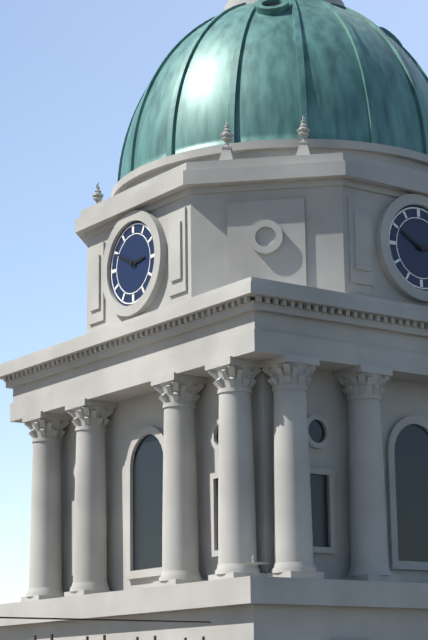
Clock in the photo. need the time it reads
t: 2:50
